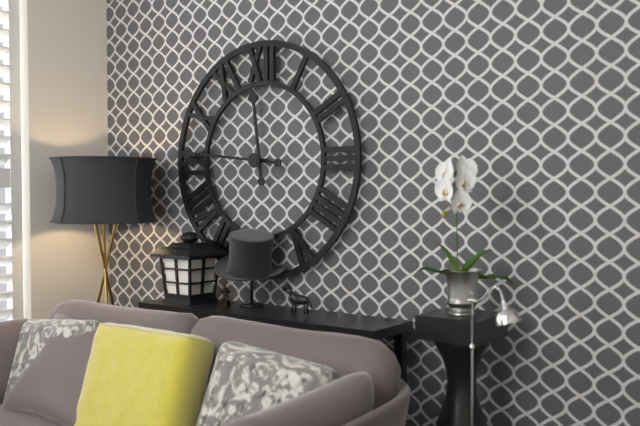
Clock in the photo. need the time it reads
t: 11:46
